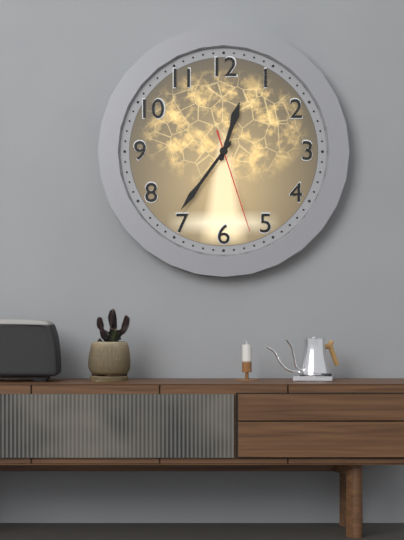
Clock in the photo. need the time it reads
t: 12:36:27
